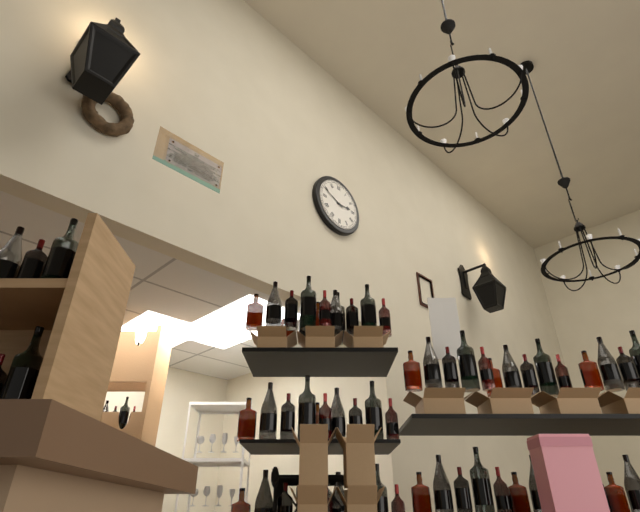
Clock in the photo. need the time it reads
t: 2:49
